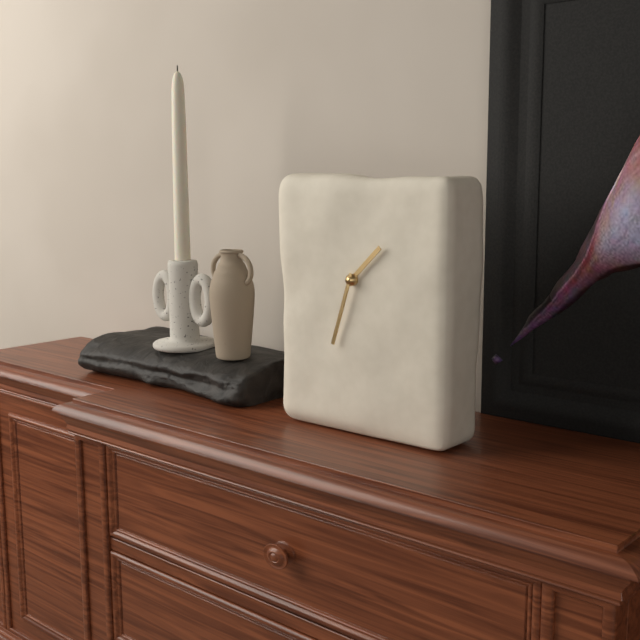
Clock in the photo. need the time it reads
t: 1:33
